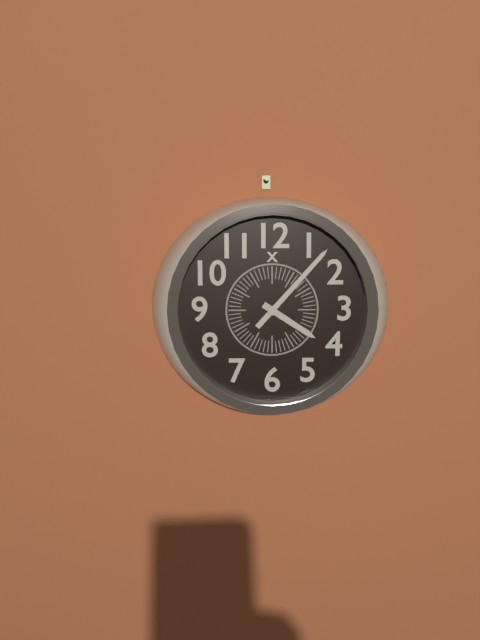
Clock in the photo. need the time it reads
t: 4:07
